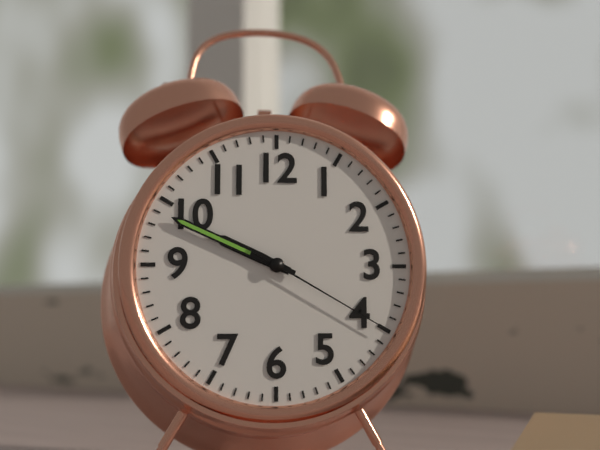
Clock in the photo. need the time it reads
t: 9:49:20
